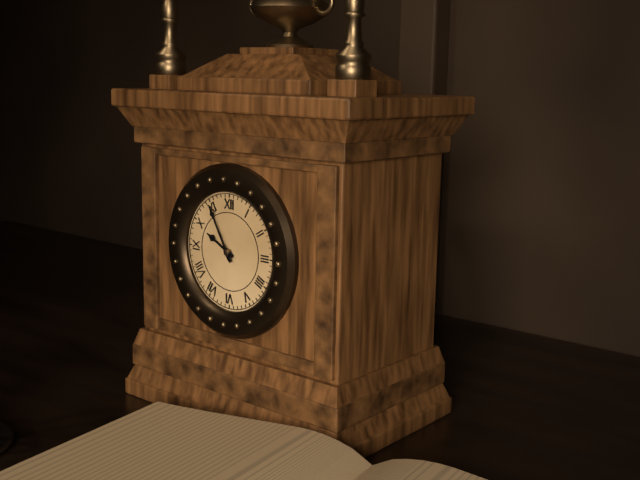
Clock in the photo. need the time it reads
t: 9:55
